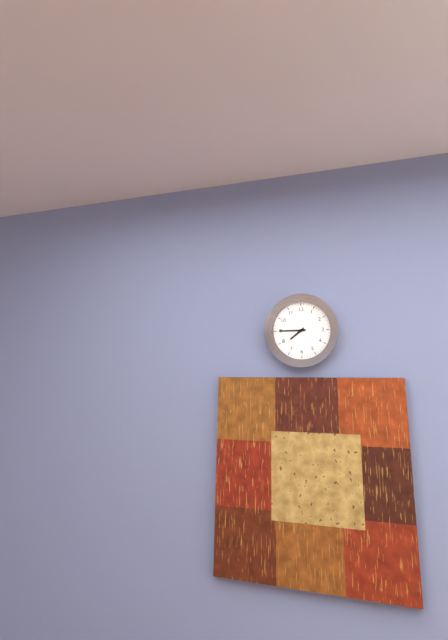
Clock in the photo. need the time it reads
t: 7:45
